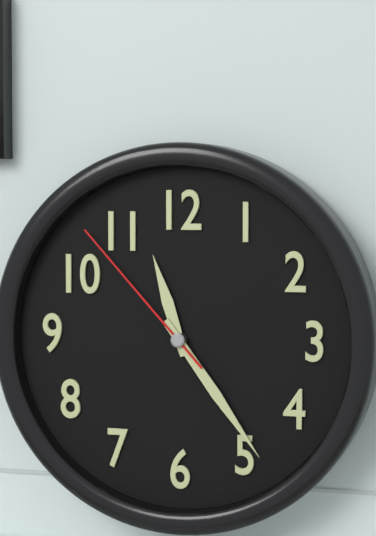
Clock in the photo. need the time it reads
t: 11:24:53
